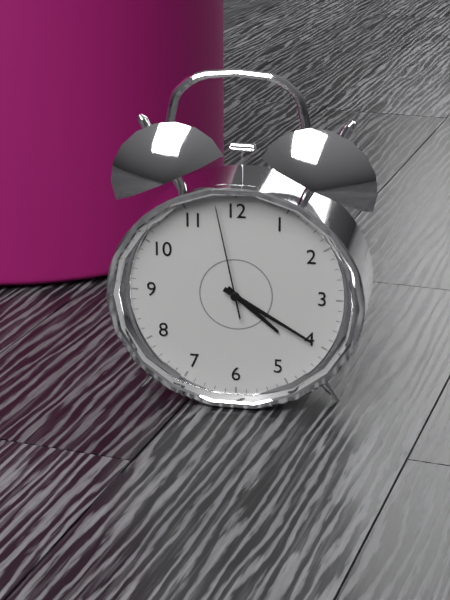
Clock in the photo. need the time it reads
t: 4:20:58
